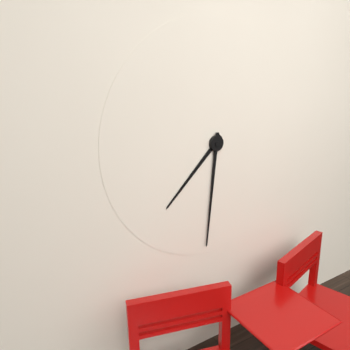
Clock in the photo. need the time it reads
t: 7:31
